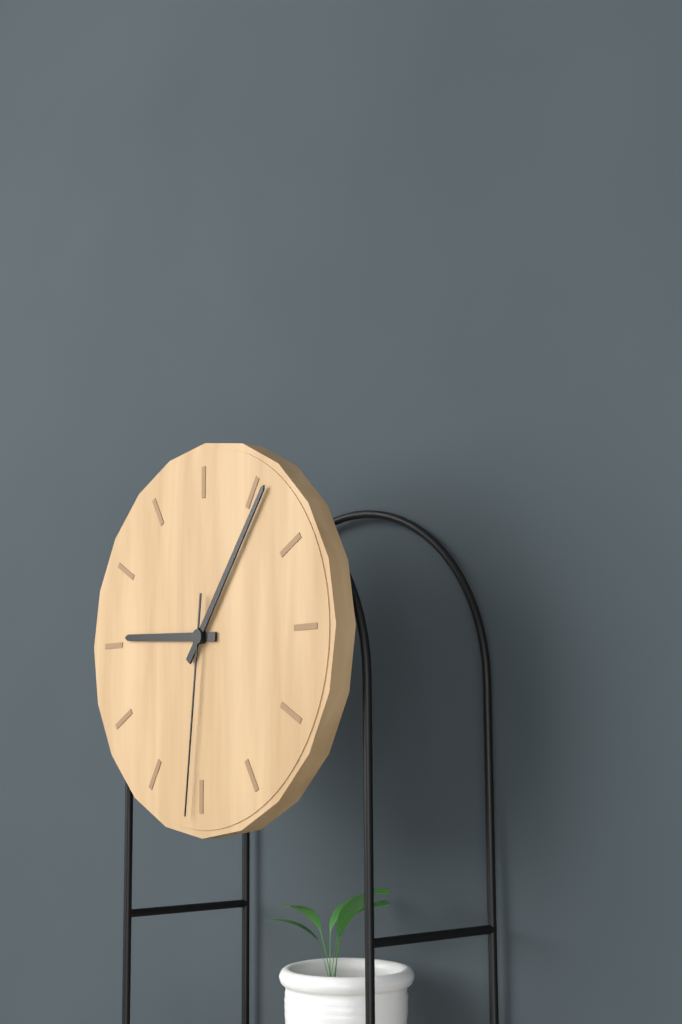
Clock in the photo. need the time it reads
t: 9:06:31
